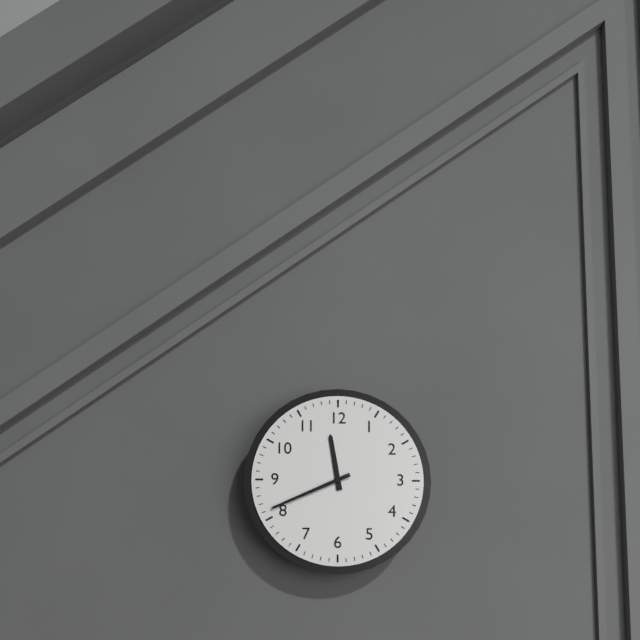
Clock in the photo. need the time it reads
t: 11:41
